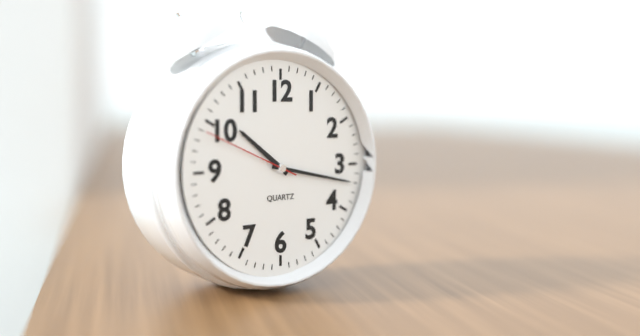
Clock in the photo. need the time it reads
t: 10:17:49
